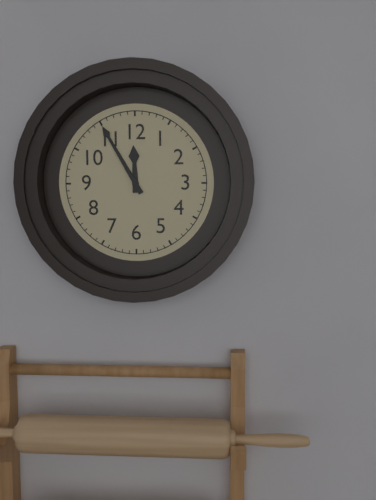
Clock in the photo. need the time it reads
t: 11:55
